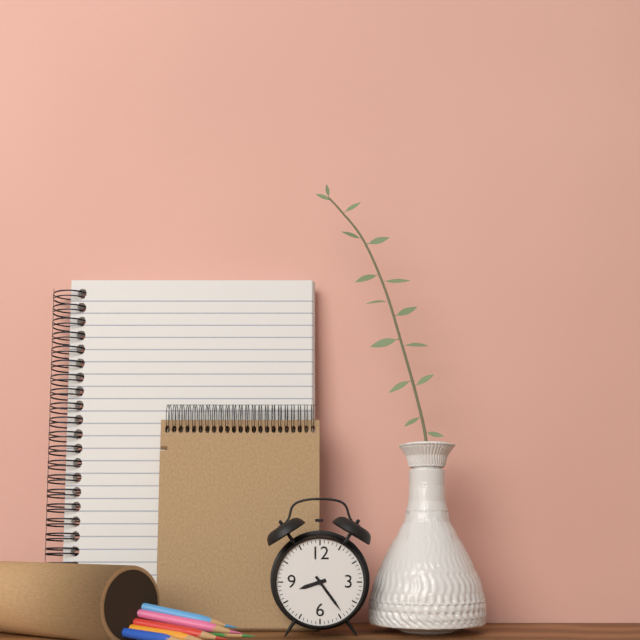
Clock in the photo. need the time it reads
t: 8:24
